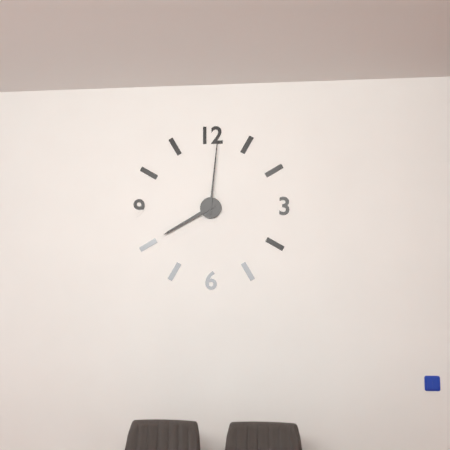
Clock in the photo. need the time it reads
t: 8:01
